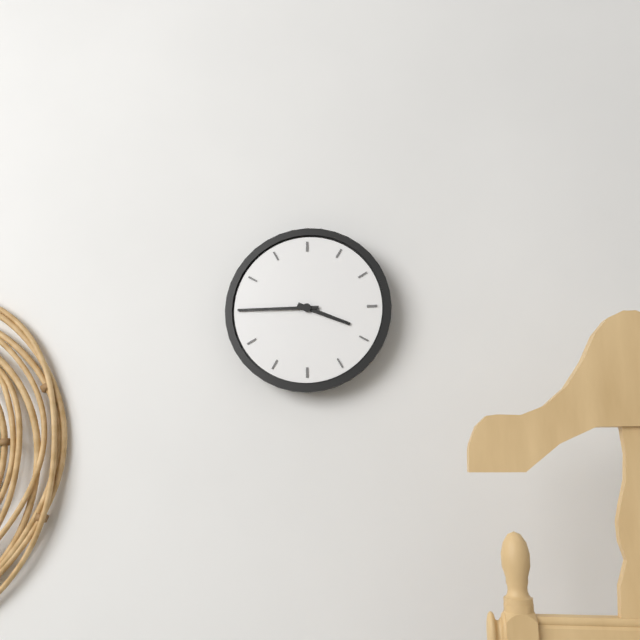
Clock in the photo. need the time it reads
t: 3:45
